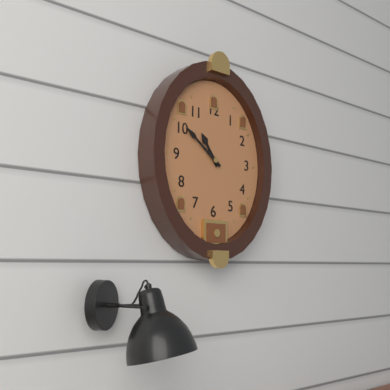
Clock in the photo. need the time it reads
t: 10:51
